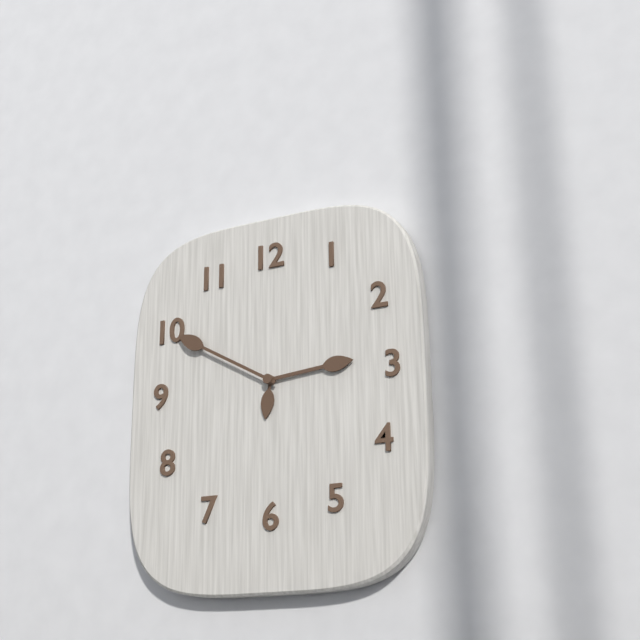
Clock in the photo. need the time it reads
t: 2:50
